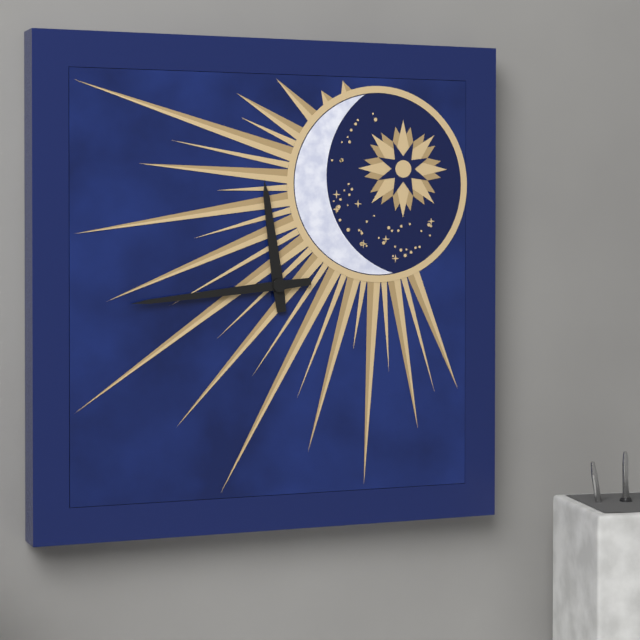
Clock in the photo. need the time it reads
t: 11:44
